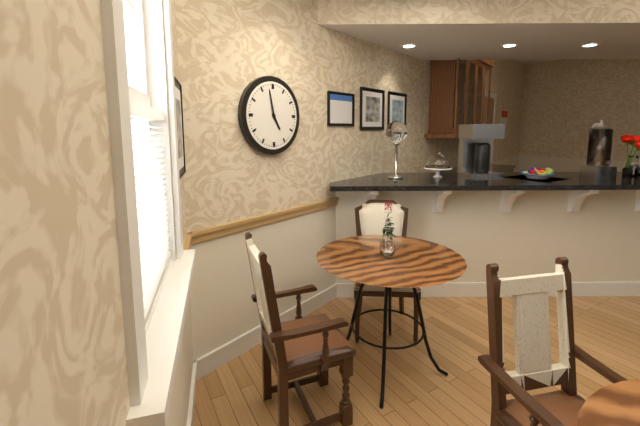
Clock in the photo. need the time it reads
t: 4:58
